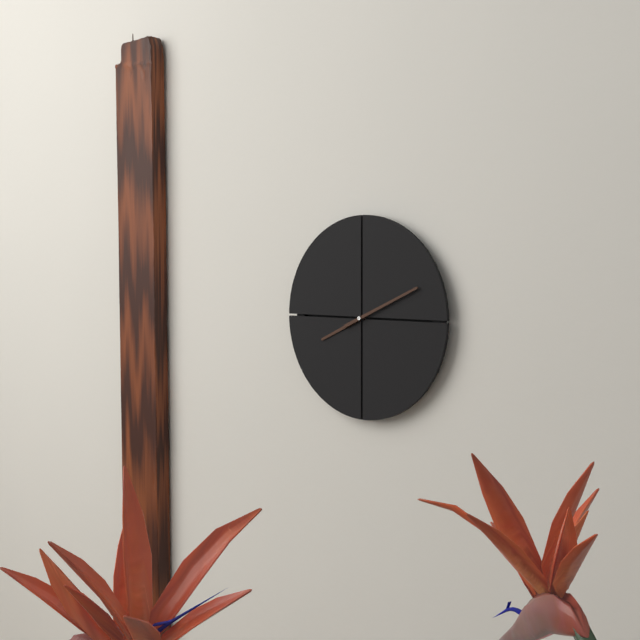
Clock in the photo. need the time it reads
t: 8:11
